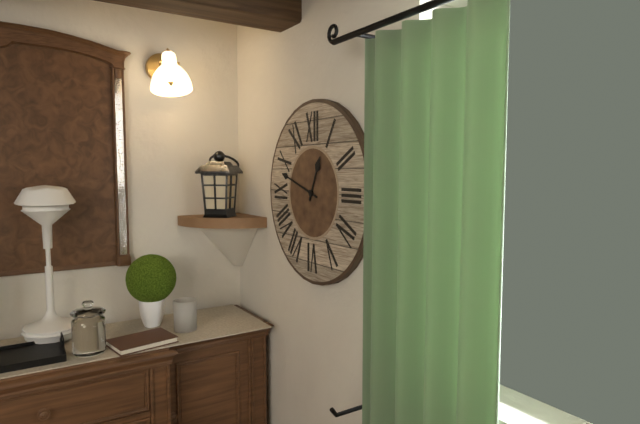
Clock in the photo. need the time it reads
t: 12:48
